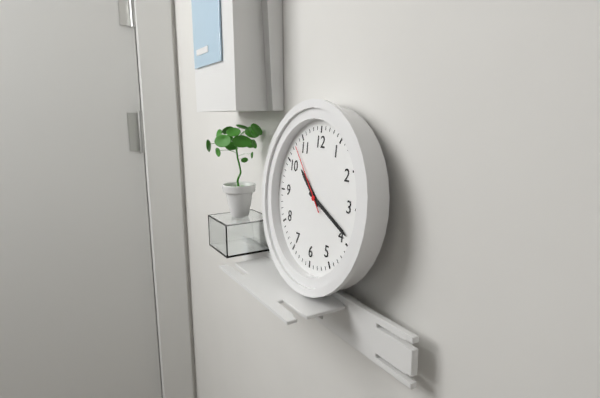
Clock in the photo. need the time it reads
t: 10:19:53
